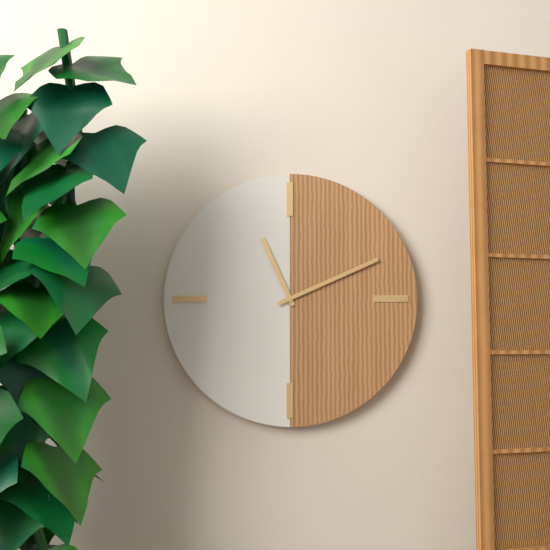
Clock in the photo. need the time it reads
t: 11:11
